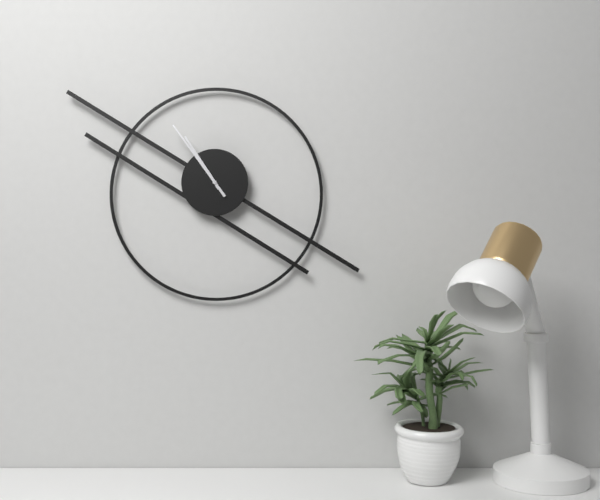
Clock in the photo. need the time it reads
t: 10:54
